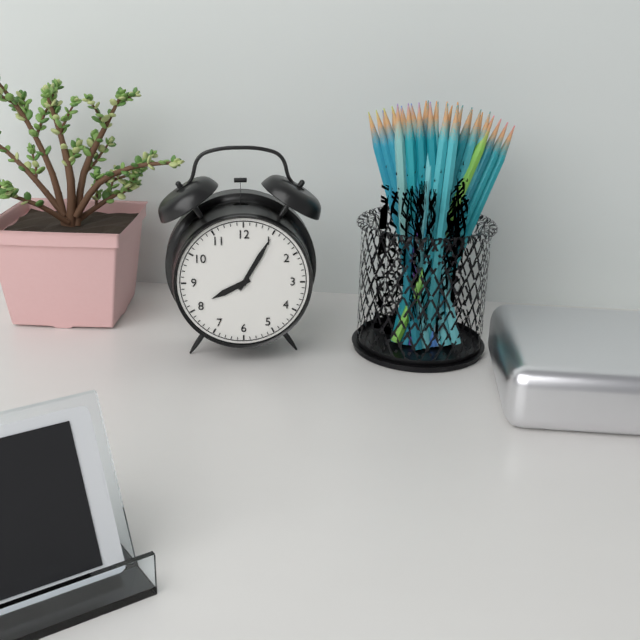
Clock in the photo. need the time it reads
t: 8:05
